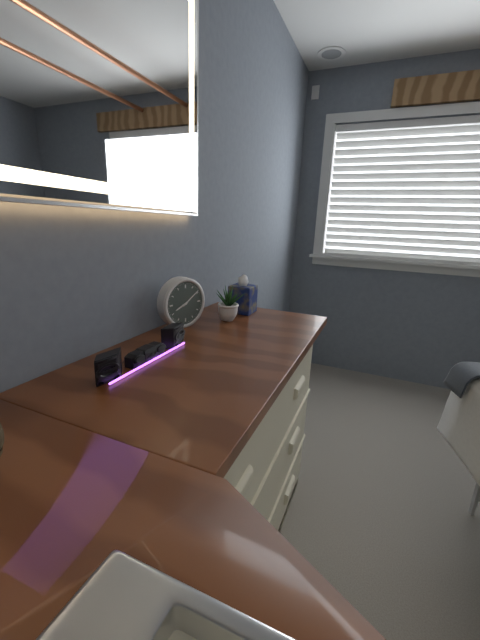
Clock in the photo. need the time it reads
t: 8:09
